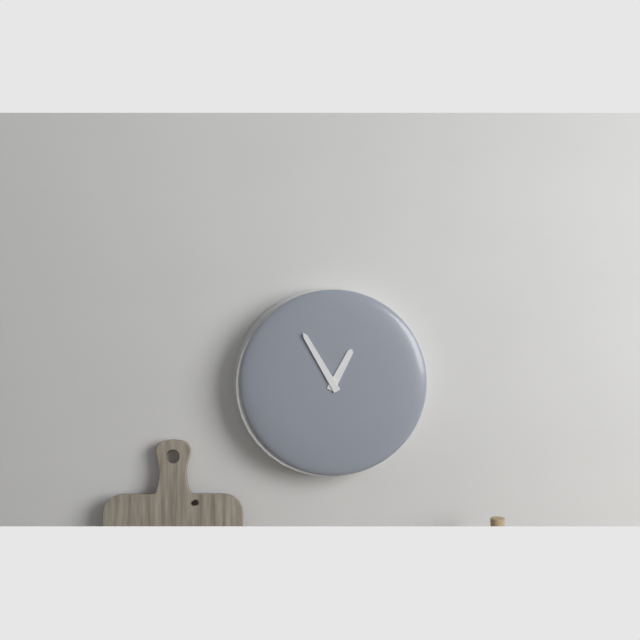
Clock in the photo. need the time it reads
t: 12:55
